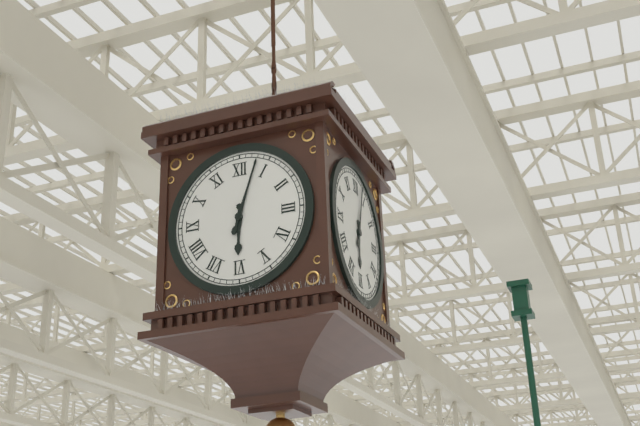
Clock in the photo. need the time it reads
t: 6:03
